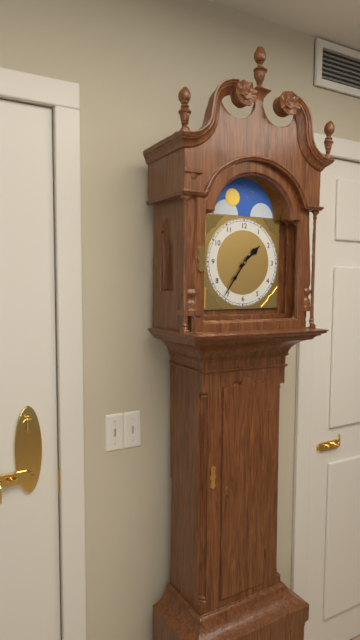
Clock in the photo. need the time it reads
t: 1:36
